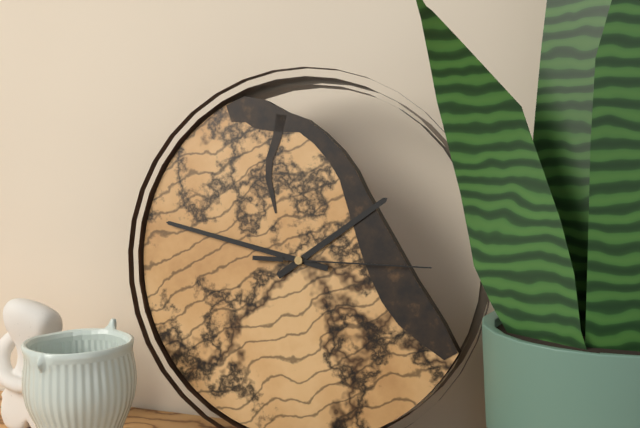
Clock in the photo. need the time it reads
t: 1:47:15
